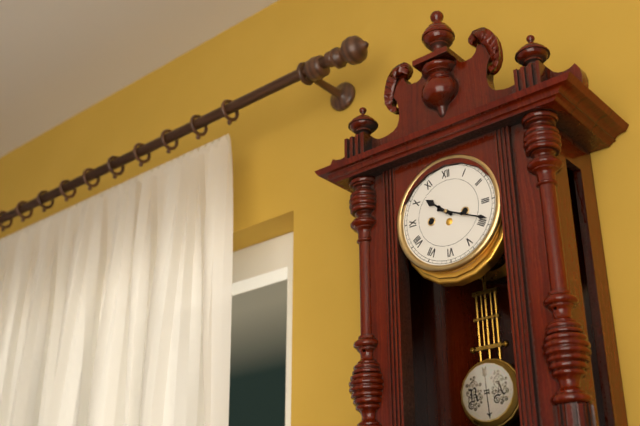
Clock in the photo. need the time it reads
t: 10:19
